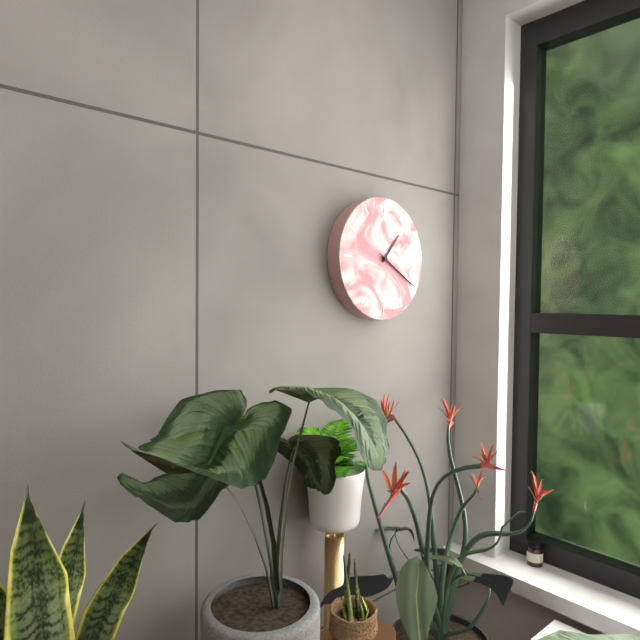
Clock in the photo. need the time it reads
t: 1:20
